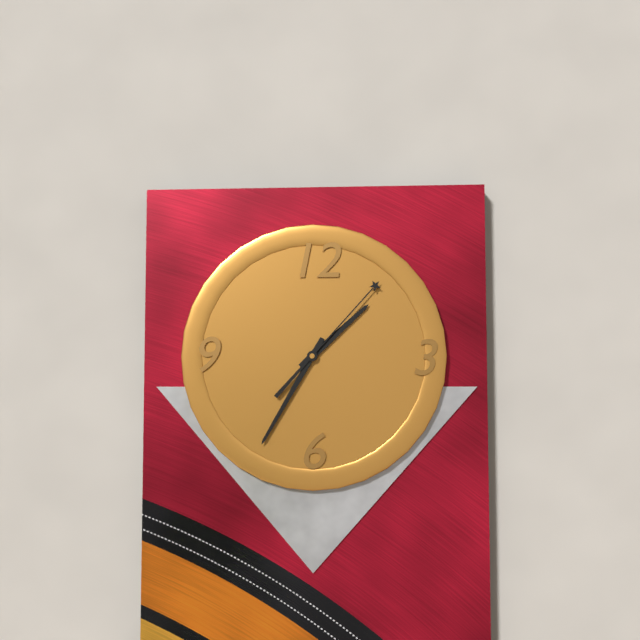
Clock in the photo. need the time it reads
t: 1:35:07
